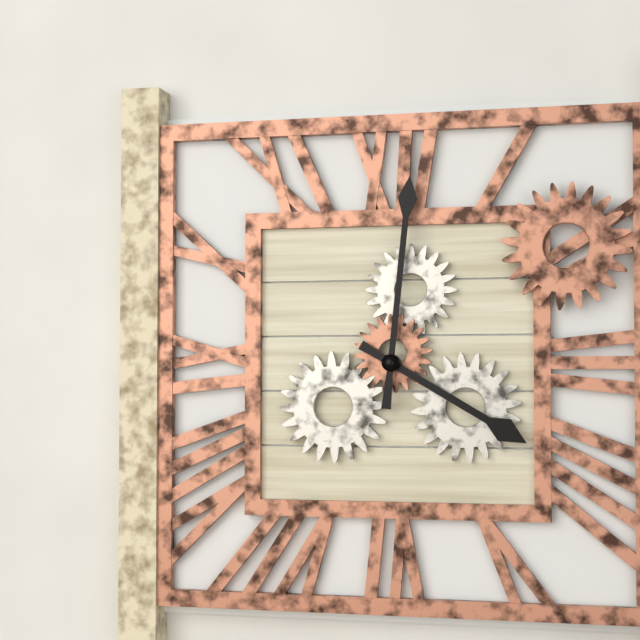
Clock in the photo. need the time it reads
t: 4:01
